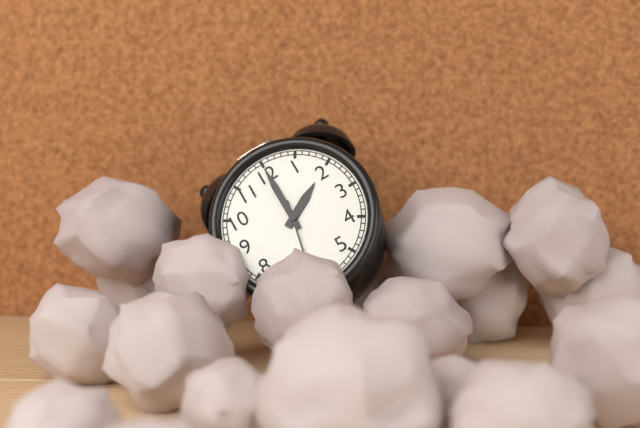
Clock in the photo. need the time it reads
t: 2:00
